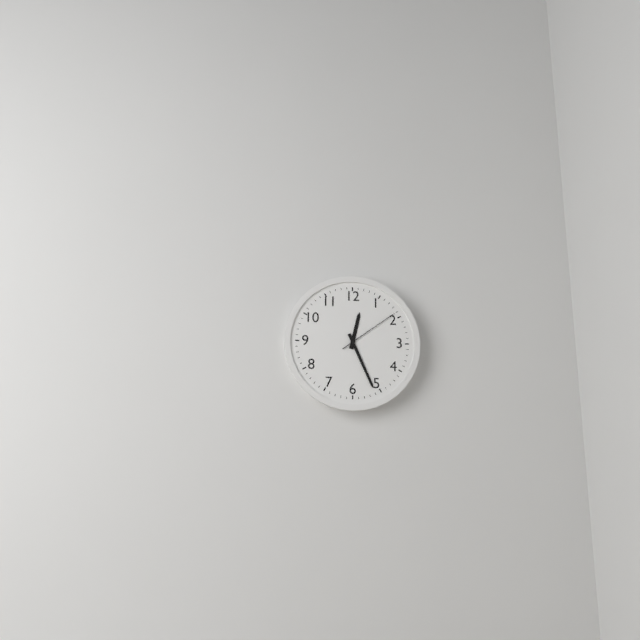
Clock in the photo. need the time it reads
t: 12:26:09
